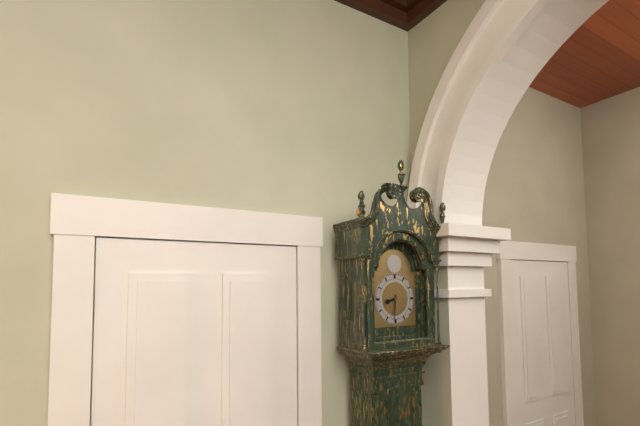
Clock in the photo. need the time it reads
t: 8:31
